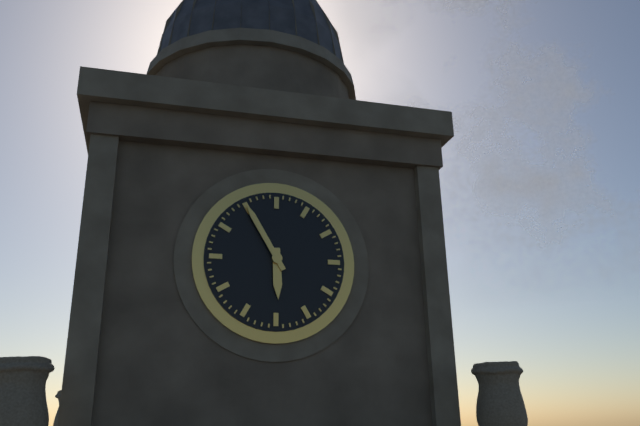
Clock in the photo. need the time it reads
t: 5:55
